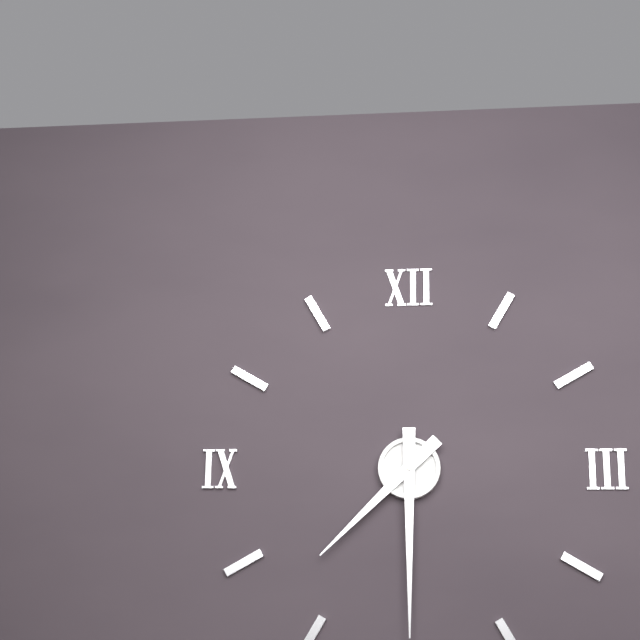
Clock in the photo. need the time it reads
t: 7:30
